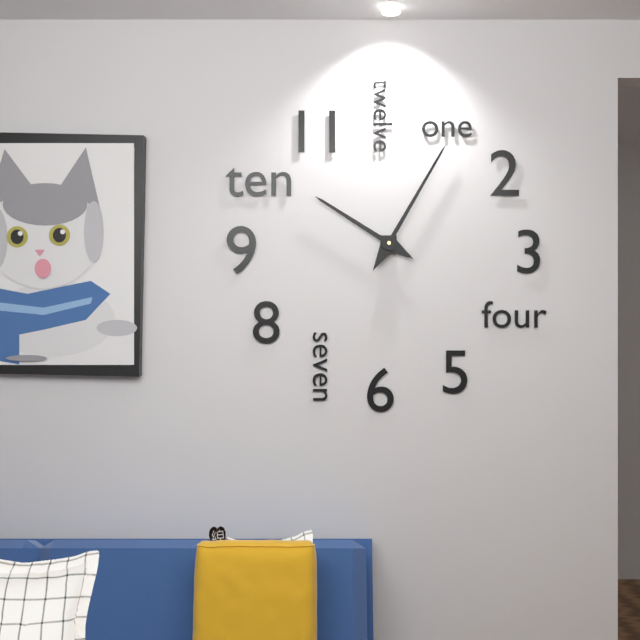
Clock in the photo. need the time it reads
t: 10:05
